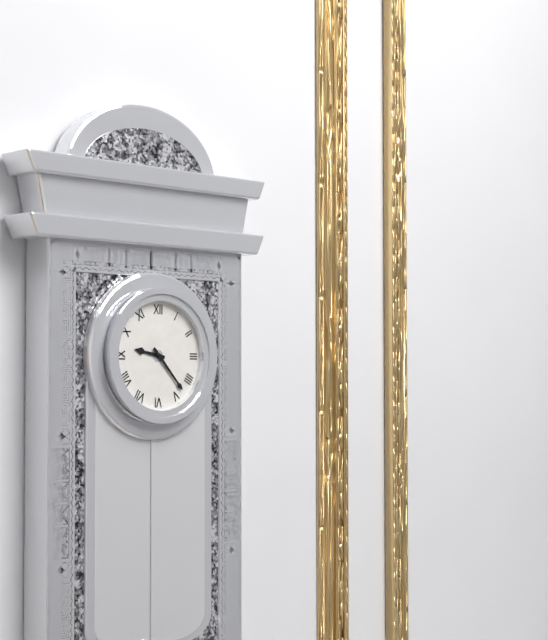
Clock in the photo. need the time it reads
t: 9:23
